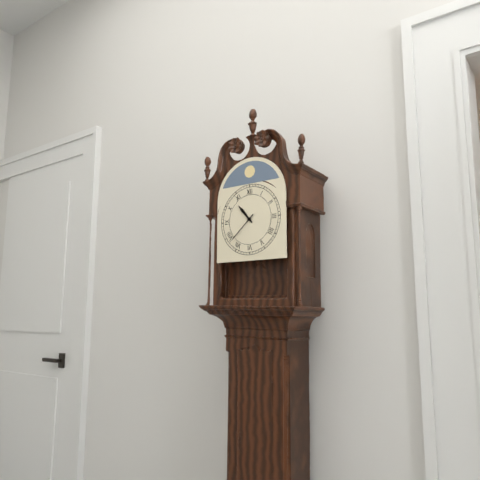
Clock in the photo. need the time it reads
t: 10:38
